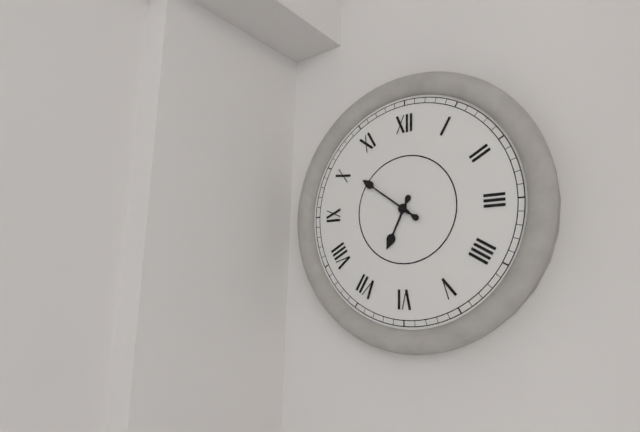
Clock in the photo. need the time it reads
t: 6:51
